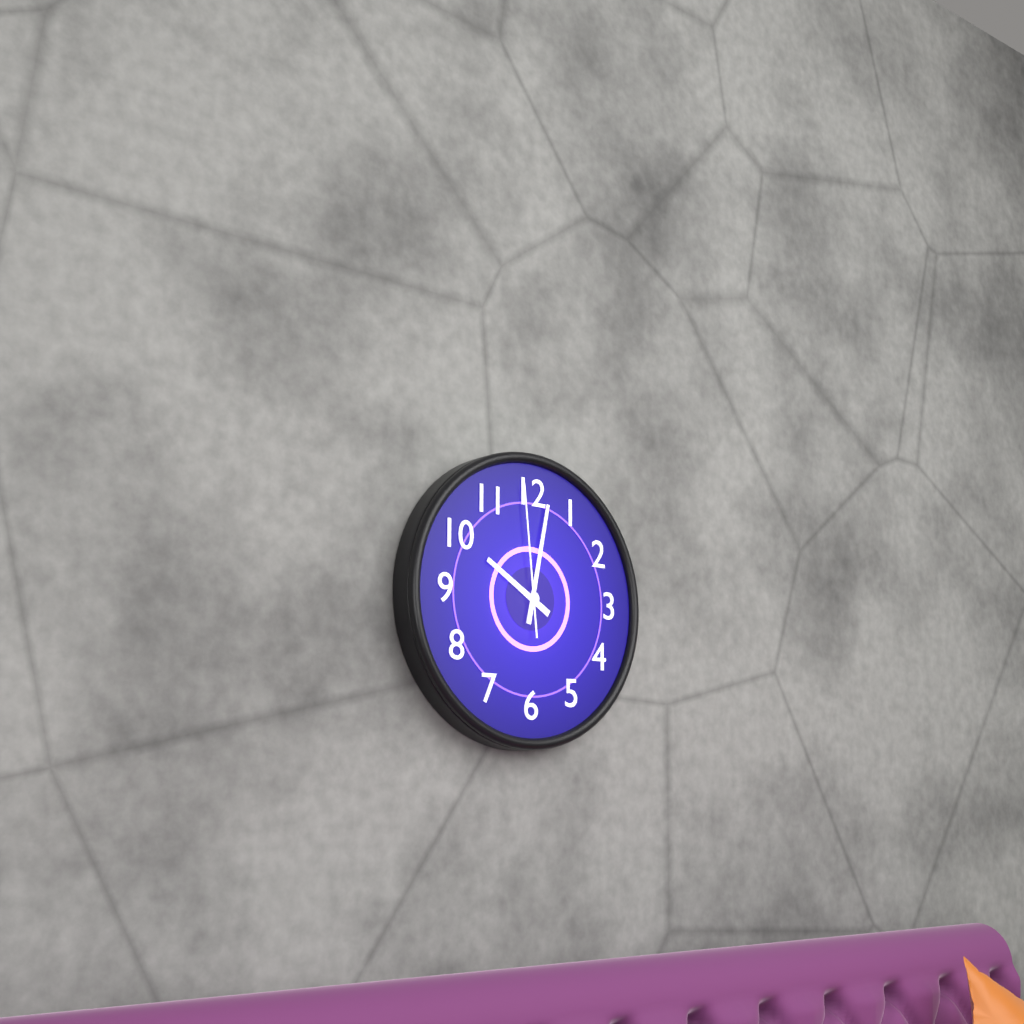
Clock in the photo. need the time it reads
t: 10:02:59
